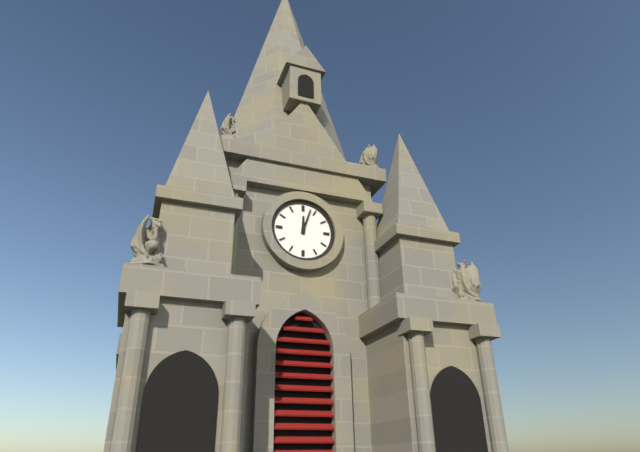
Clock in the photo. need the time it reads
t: 12:03
